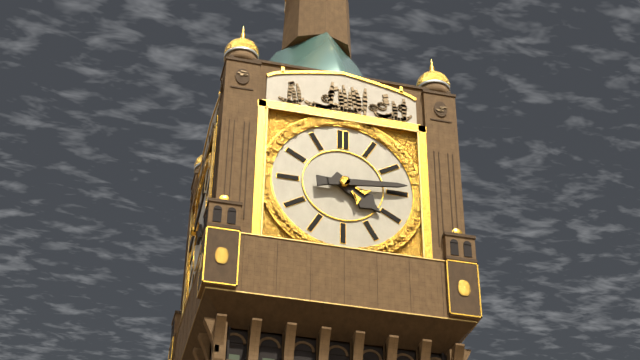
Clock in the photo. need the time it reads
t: 4:14
